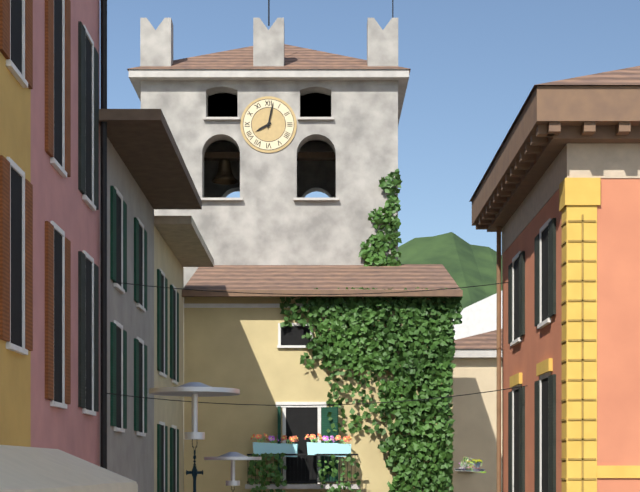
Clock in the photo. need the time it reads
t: 8:02
